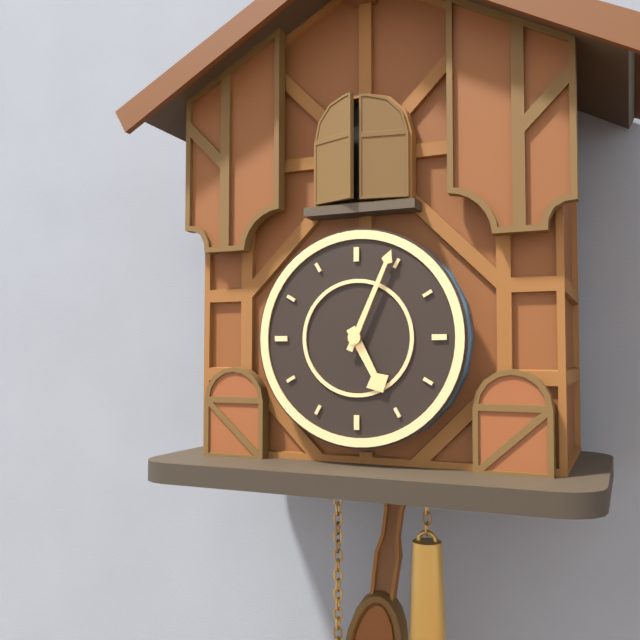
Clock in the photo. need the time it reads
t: 5:04
